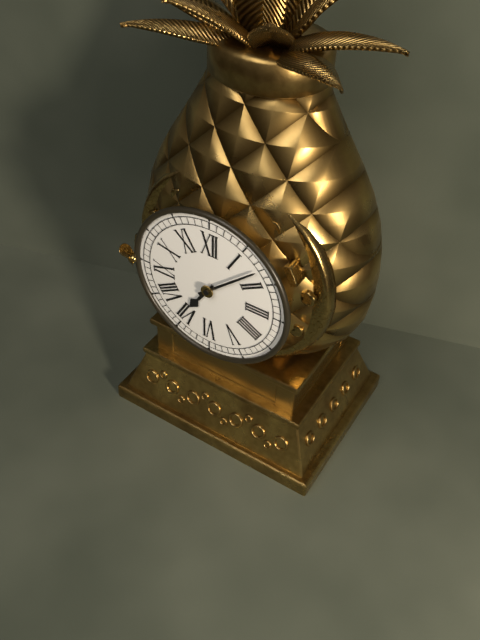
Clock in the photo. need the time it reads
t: 7:08
